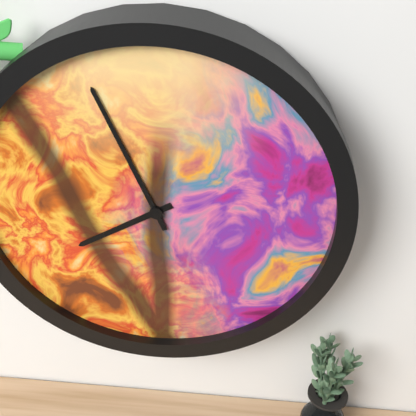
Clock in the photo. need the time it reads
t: 7:56
